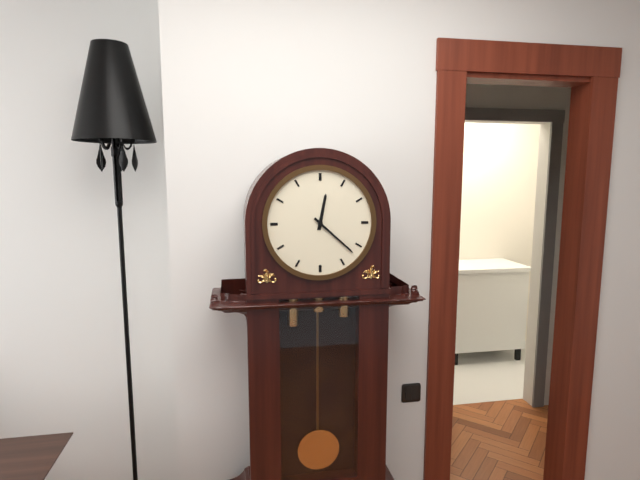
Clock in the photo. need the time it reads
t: 12:22
